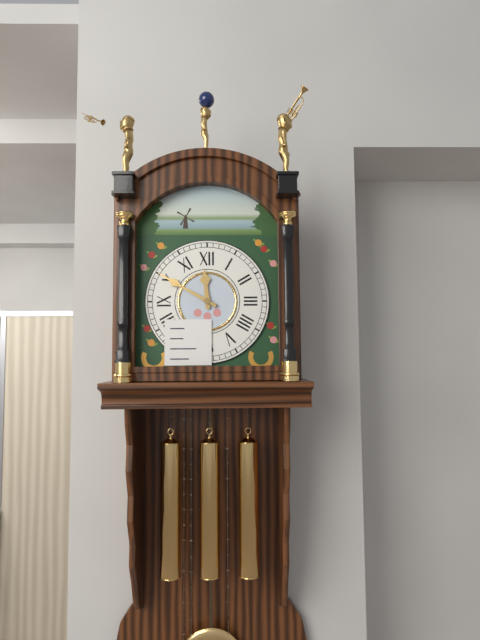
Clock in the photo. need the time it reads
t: 11:50
